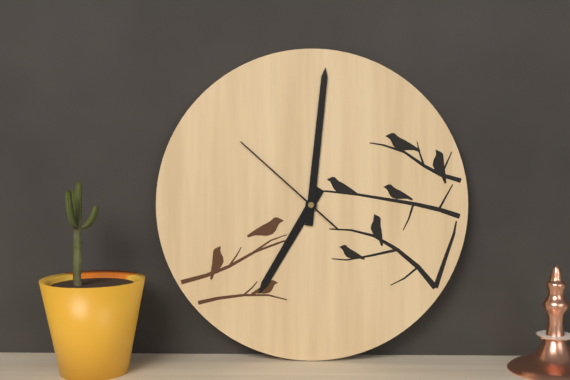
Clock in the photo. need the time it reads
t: 7:01:52
